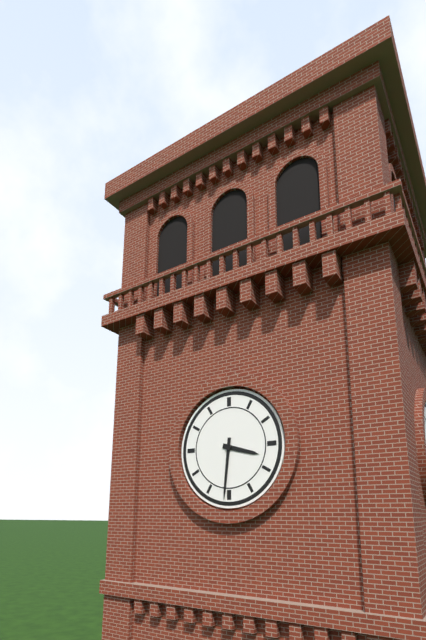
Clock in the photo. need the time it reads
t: 3:31
